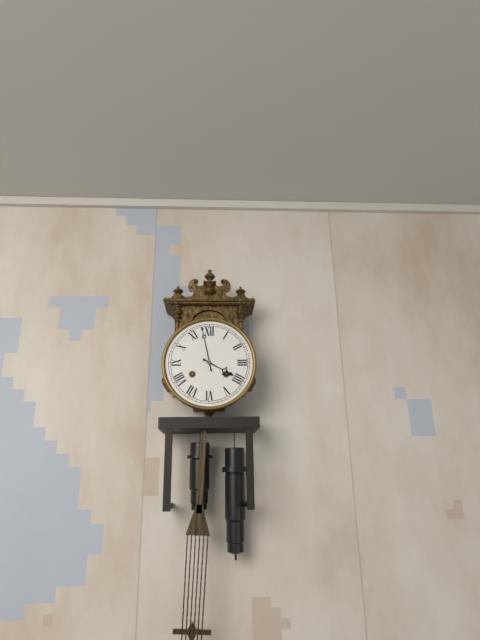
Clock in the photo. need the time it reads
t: 3:58
